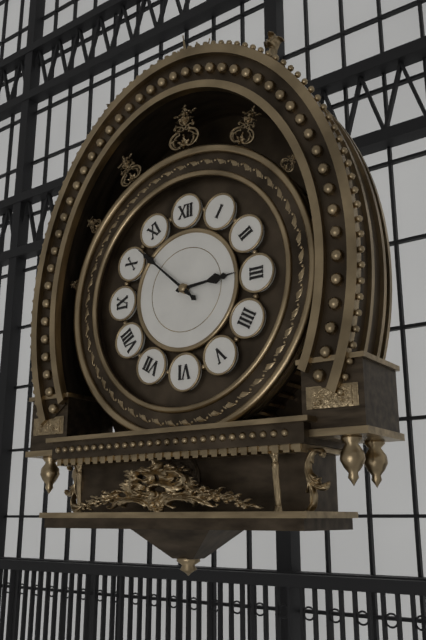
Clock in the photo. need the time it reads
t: 2:52
